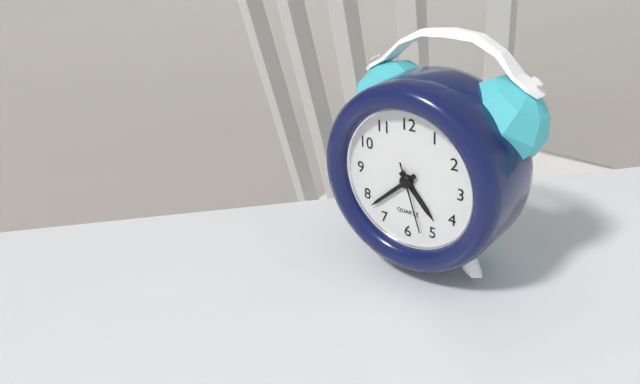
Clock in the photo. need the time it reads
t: 4:38:27
